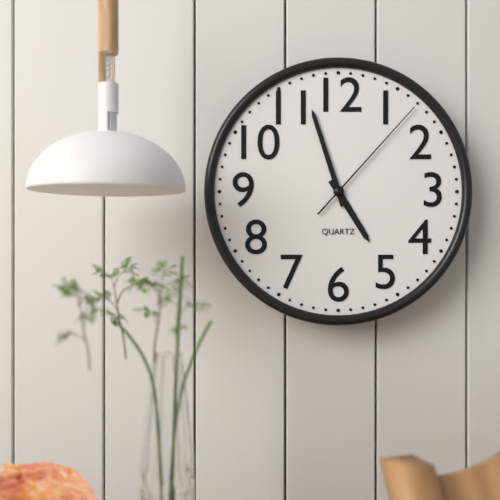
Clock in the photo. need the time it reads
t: 4:57:07
